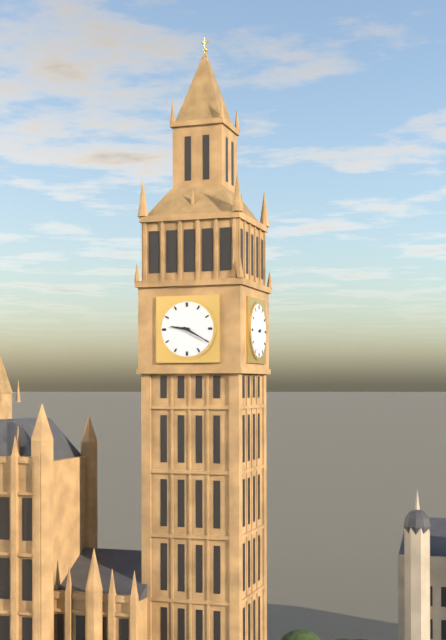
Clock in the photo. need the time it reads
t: 9:20
